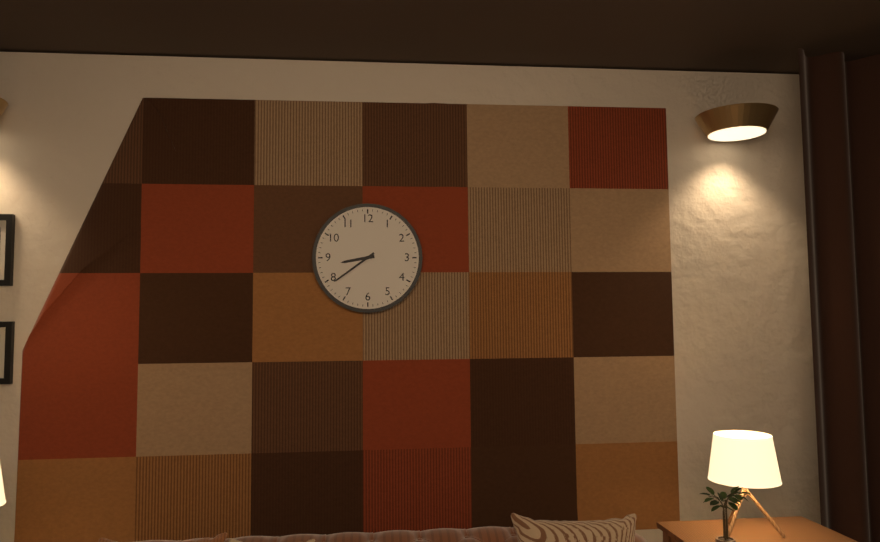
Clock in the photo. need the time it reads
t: 8:39
